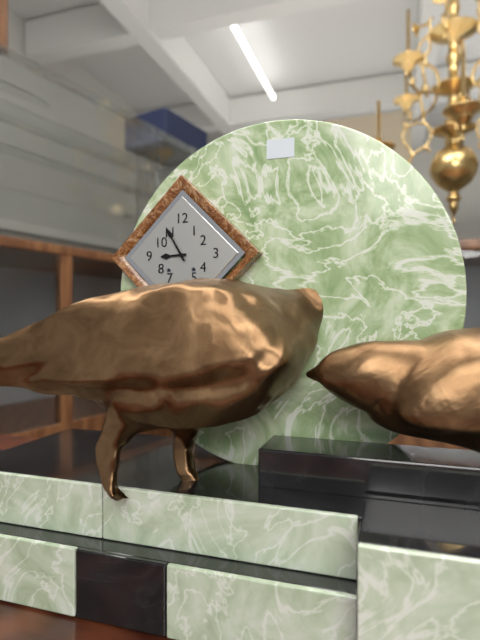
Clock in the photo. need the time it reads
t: 8:55
